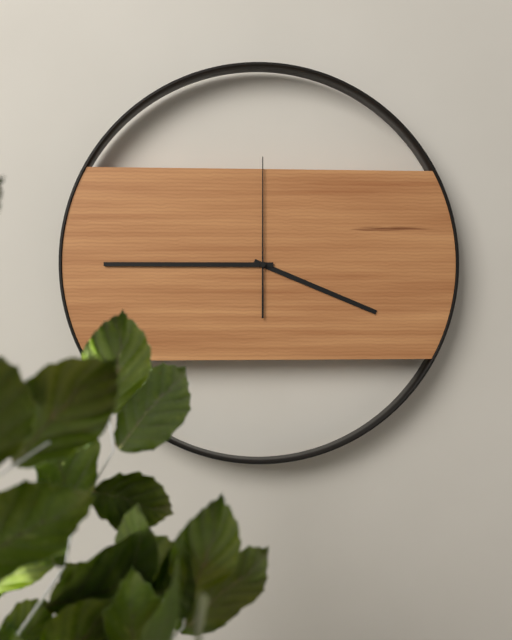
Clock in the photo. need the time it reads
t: 3:45:00
